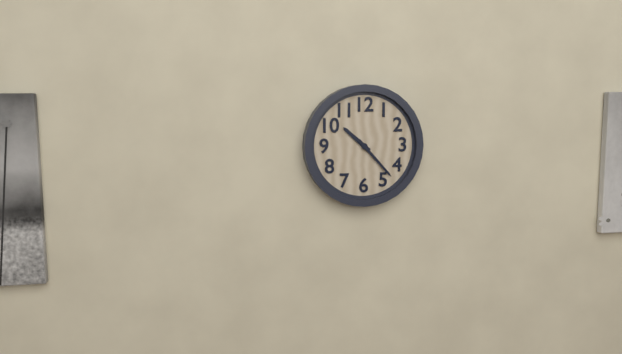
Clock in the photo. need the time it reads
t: 10:23
